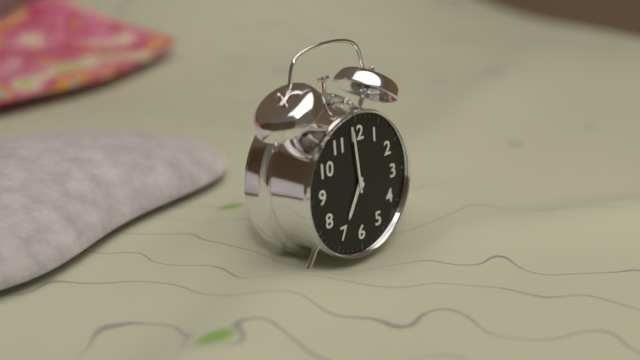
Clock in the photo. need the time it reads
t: 6:59
